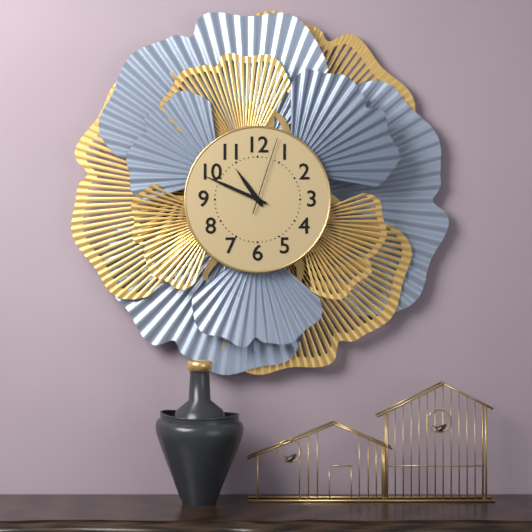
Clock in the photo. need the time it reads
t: 10:49:03
